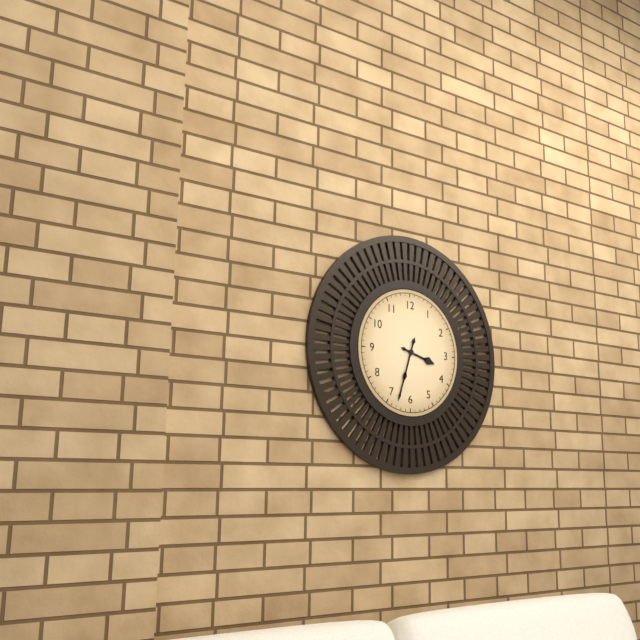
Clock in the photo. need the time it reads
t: 3:33
